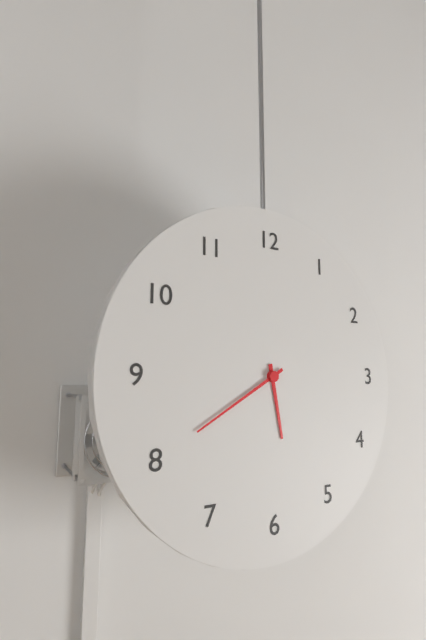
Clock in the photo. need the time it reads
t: 5:40
